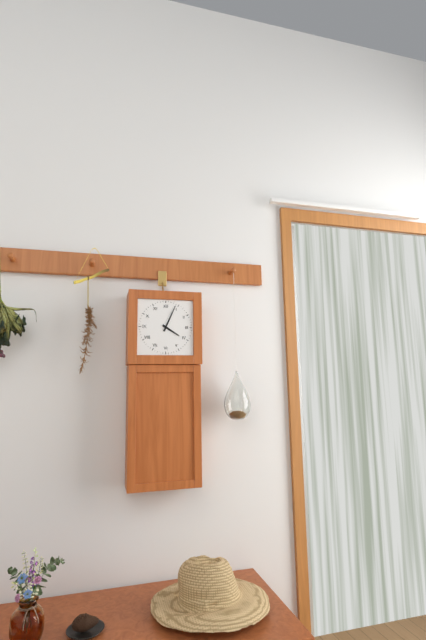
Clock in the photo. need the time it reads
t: 4:04
